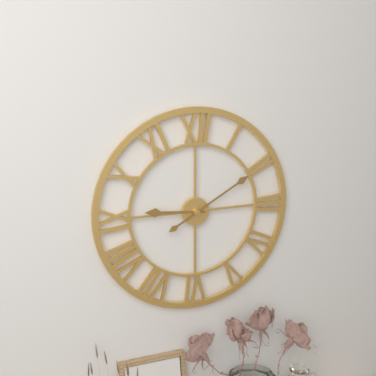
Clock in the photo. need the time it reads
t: 9:10
